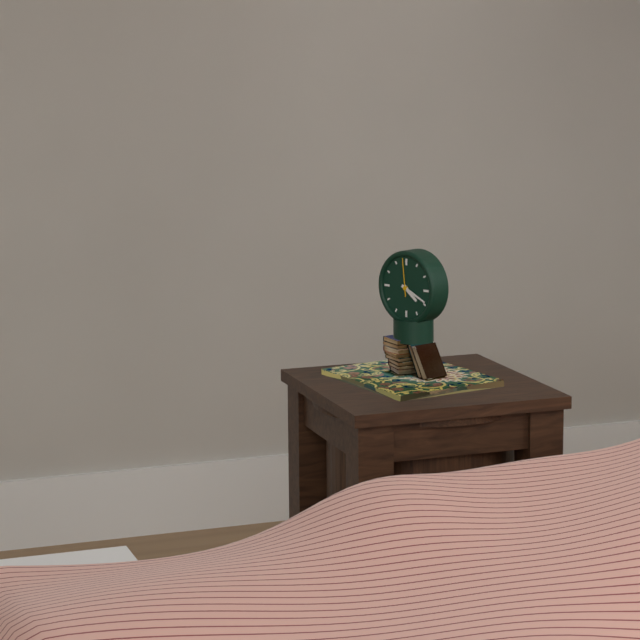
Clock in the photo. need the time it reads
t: 4:19
